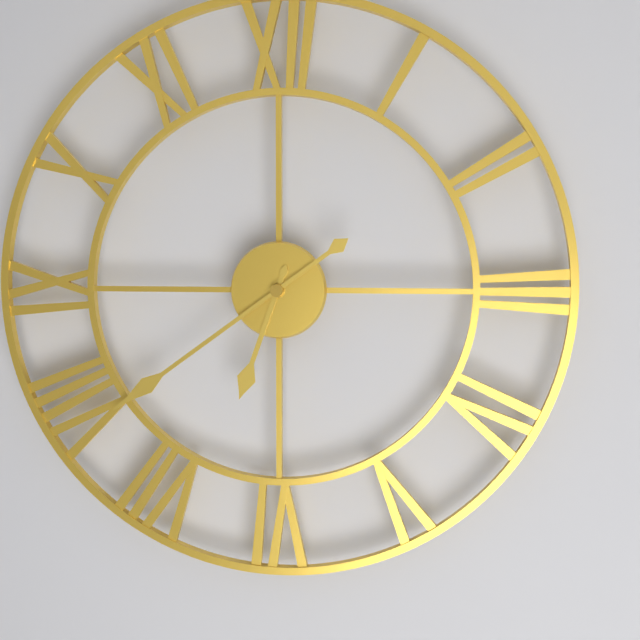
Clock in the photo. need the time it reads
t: 6:39
